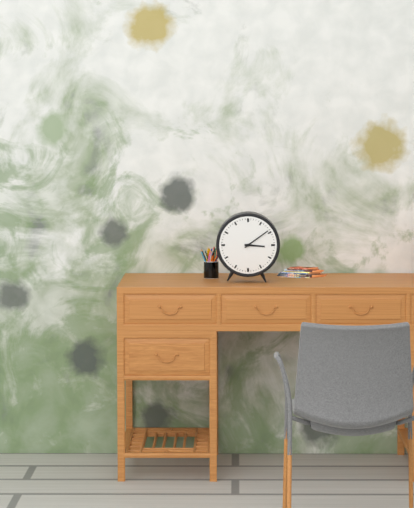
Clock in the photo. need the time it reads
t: 3:09
